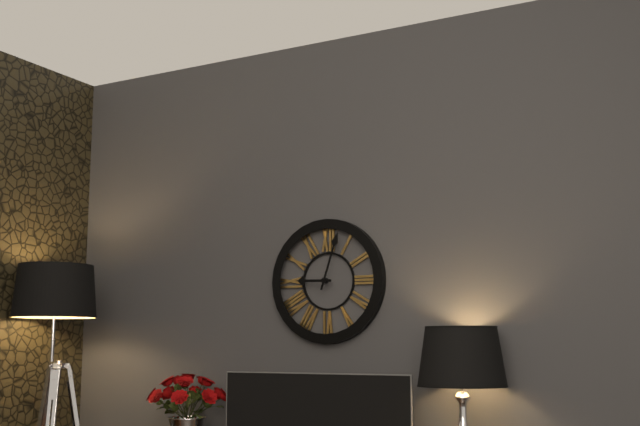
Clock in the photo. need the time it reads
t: 9:03
